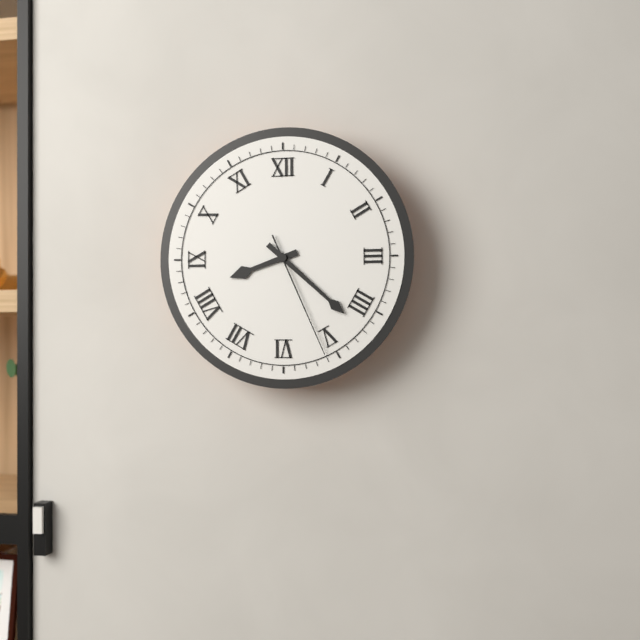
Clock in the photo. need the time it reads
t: 8:22:26
